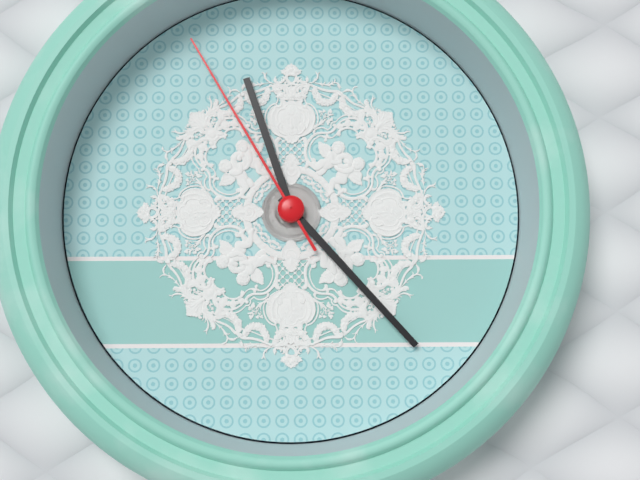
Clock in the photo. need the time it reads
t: 11:23:55
